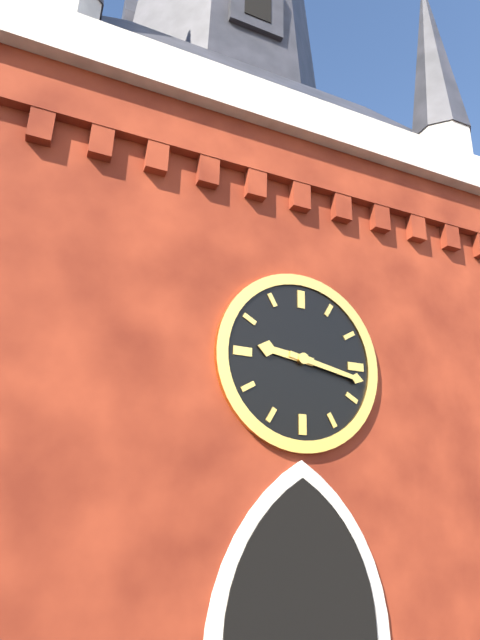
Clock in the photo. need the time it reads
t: 9:17
